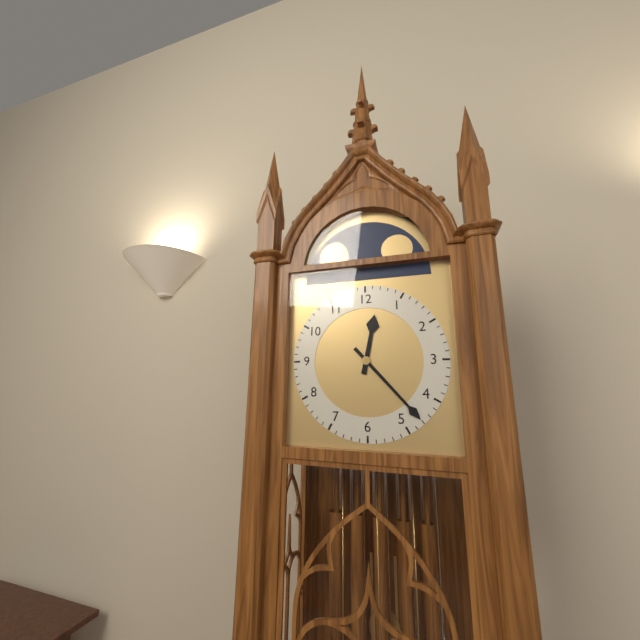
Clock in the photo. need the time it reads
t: 12:23
